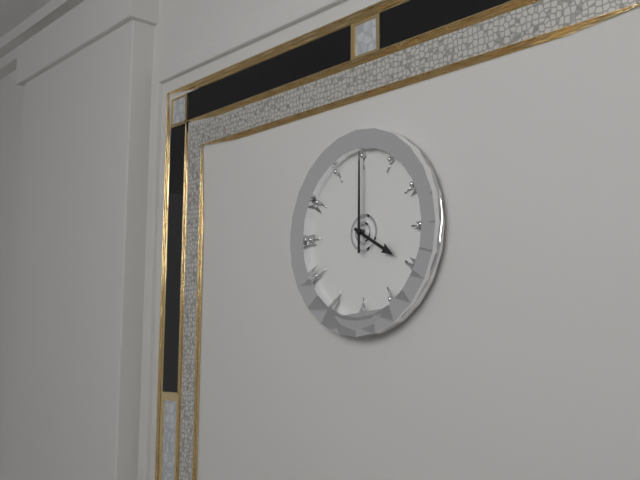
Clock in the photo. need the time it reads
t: 4:00
